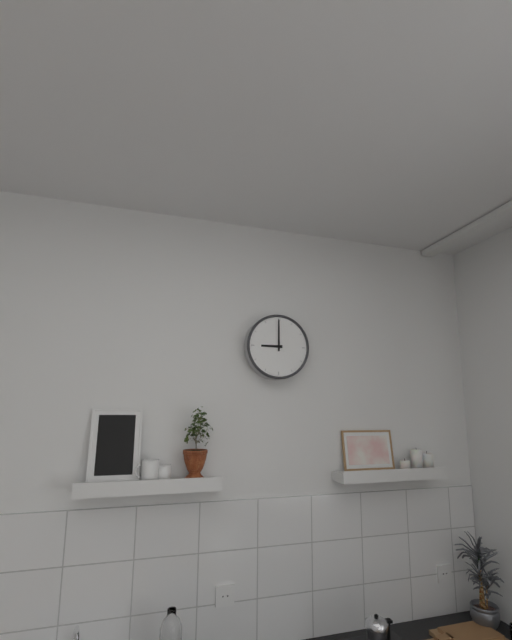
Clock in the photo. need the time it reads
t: 9:00
